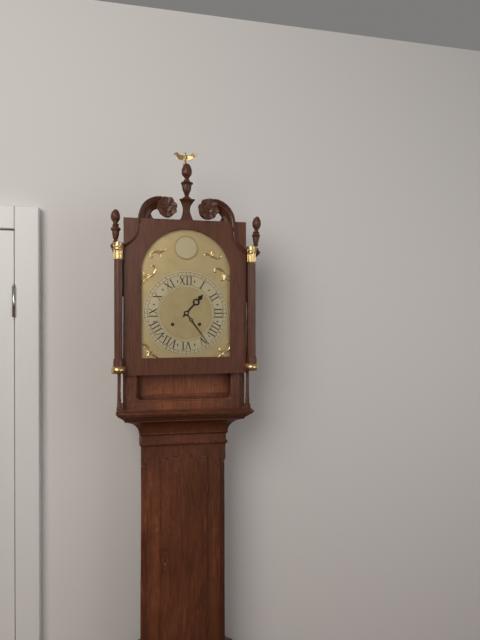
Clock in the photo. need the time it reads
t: 1:24
